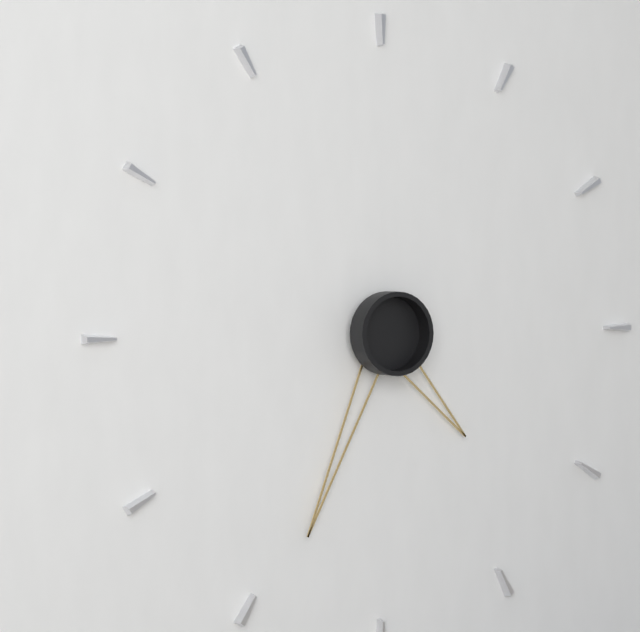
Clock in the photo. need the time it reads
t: 4:34
